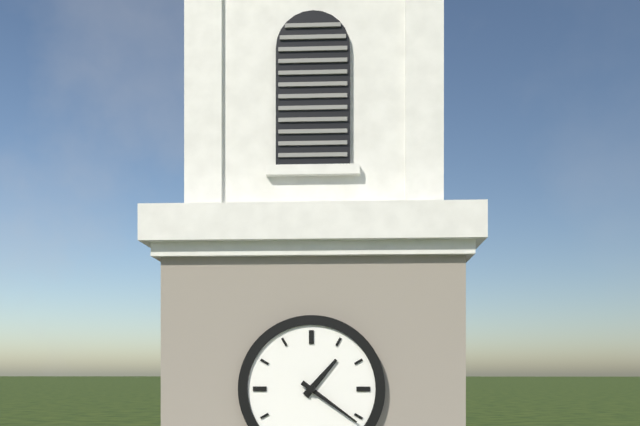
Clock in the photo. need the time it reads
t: 1:21
